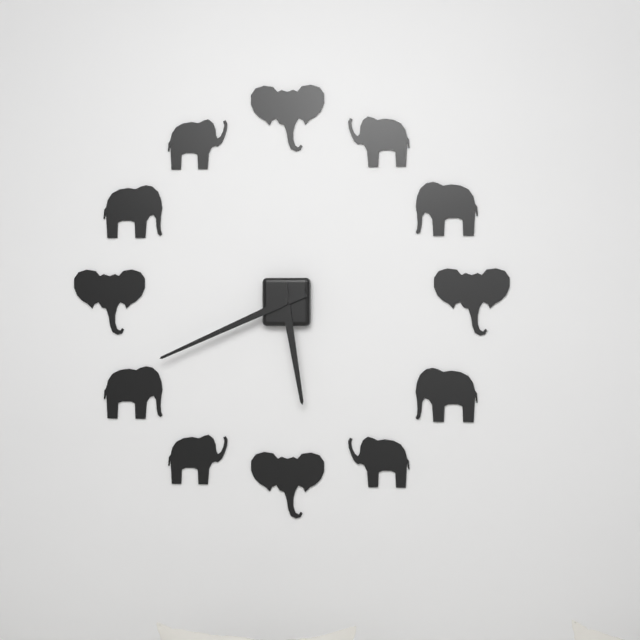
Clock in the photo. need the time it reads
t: 5:41
